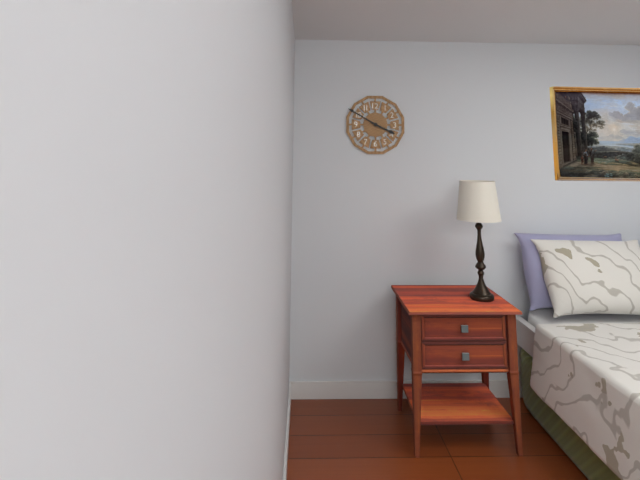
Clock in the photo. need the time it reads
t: 3:50
